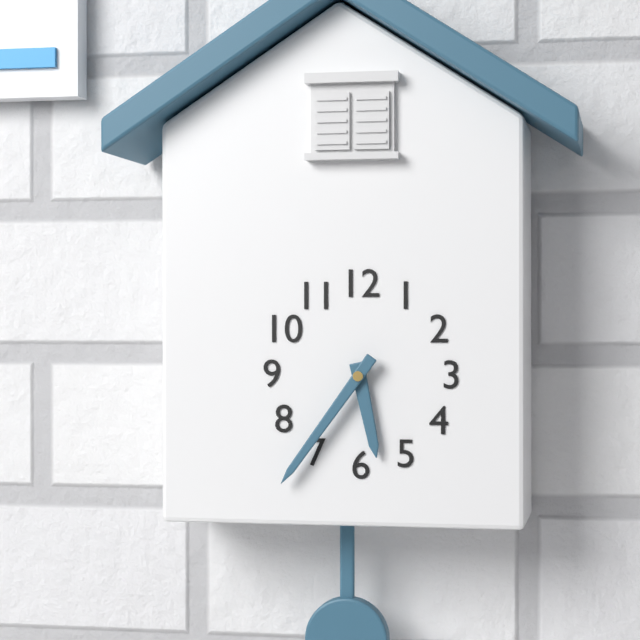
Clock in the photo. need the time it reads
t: 5:36
